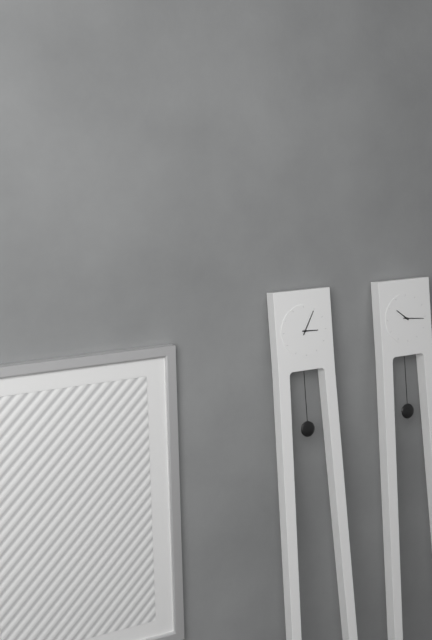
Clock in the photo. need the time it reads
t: 3:05
